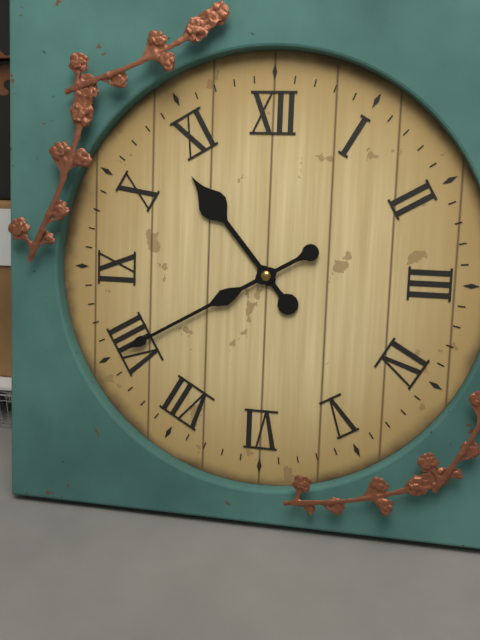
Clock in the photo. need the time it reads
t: 10:40
